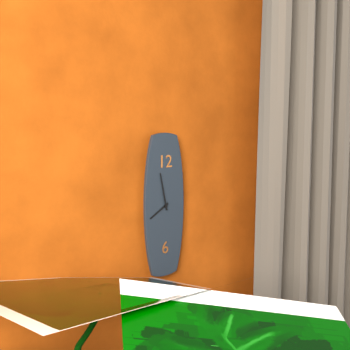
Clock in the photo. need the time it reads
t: 7:58
